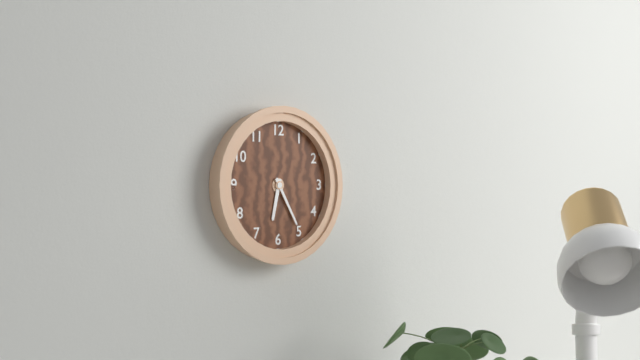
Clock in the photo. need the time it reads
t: 6:25
